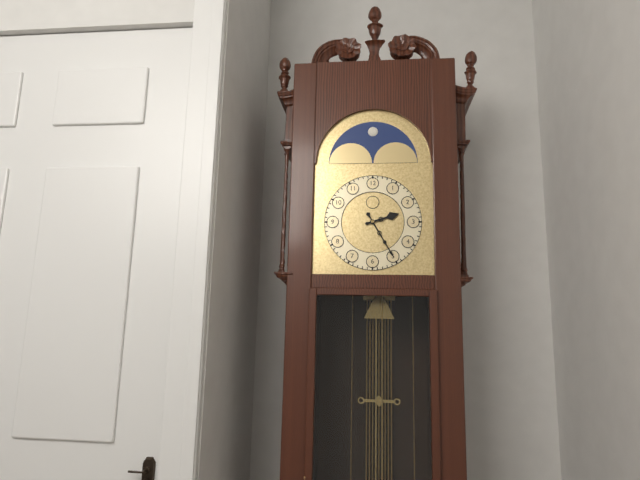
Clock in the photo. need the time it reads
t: 2:25
